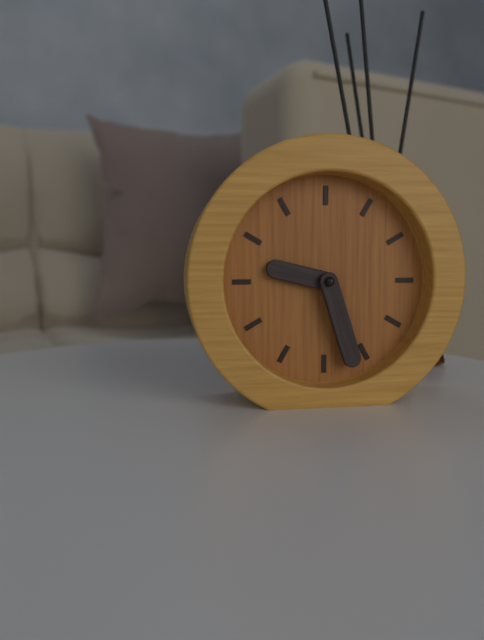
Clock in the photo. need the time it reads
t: 9:27
